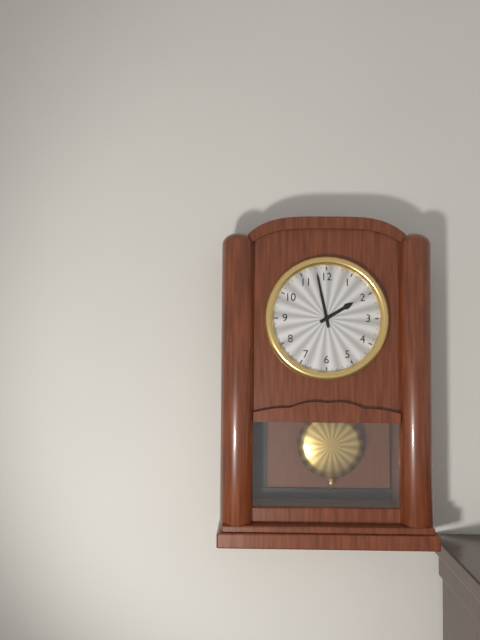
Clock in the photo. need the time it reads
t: 1:58
